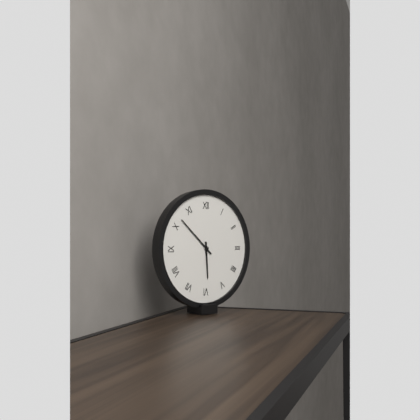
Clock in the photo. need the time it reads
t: 5:52
